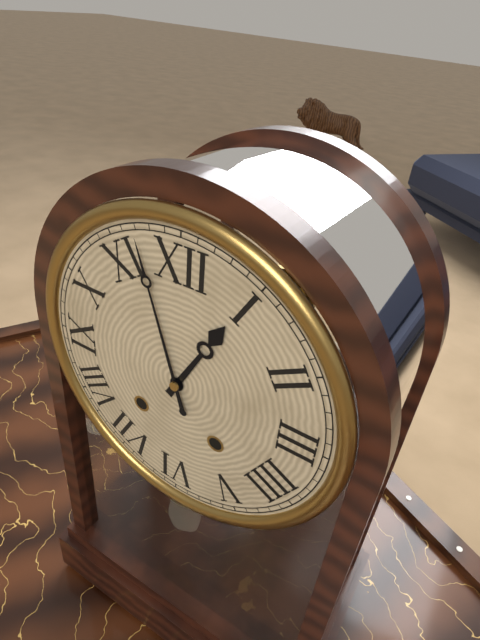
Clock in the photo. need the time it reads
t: 12:57
